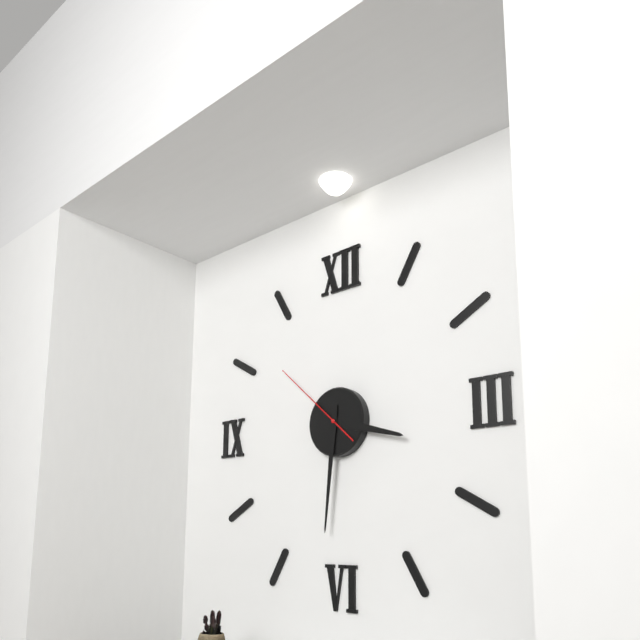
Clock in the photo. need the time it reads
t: 3:31:52
